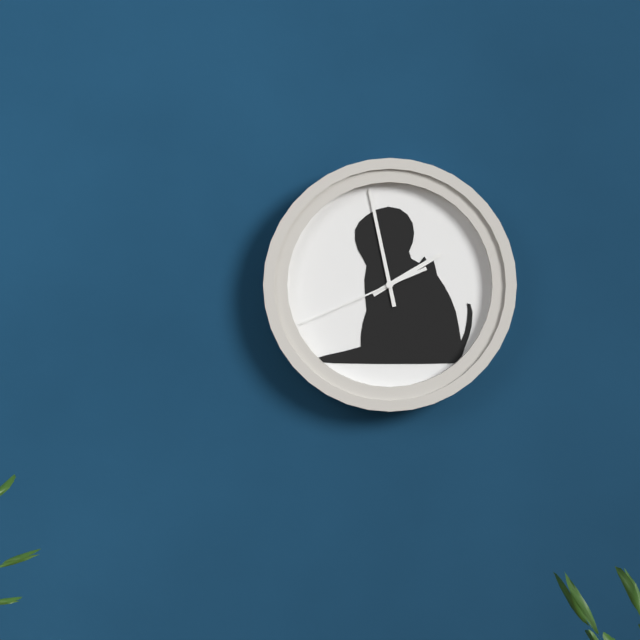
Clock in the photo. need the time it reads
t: 1:58:41
